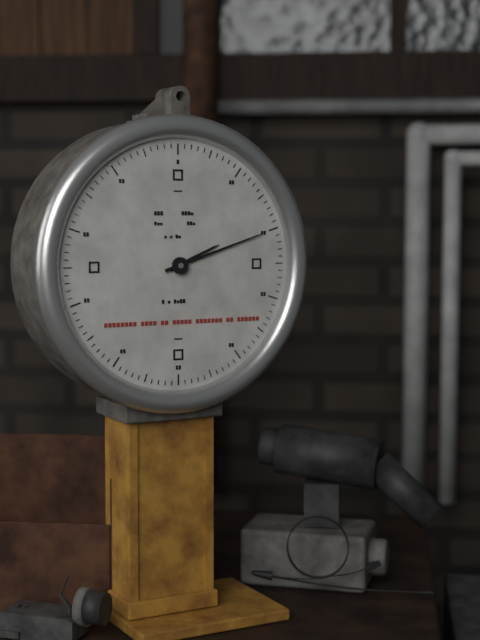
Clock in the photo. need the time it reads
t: 2:12
